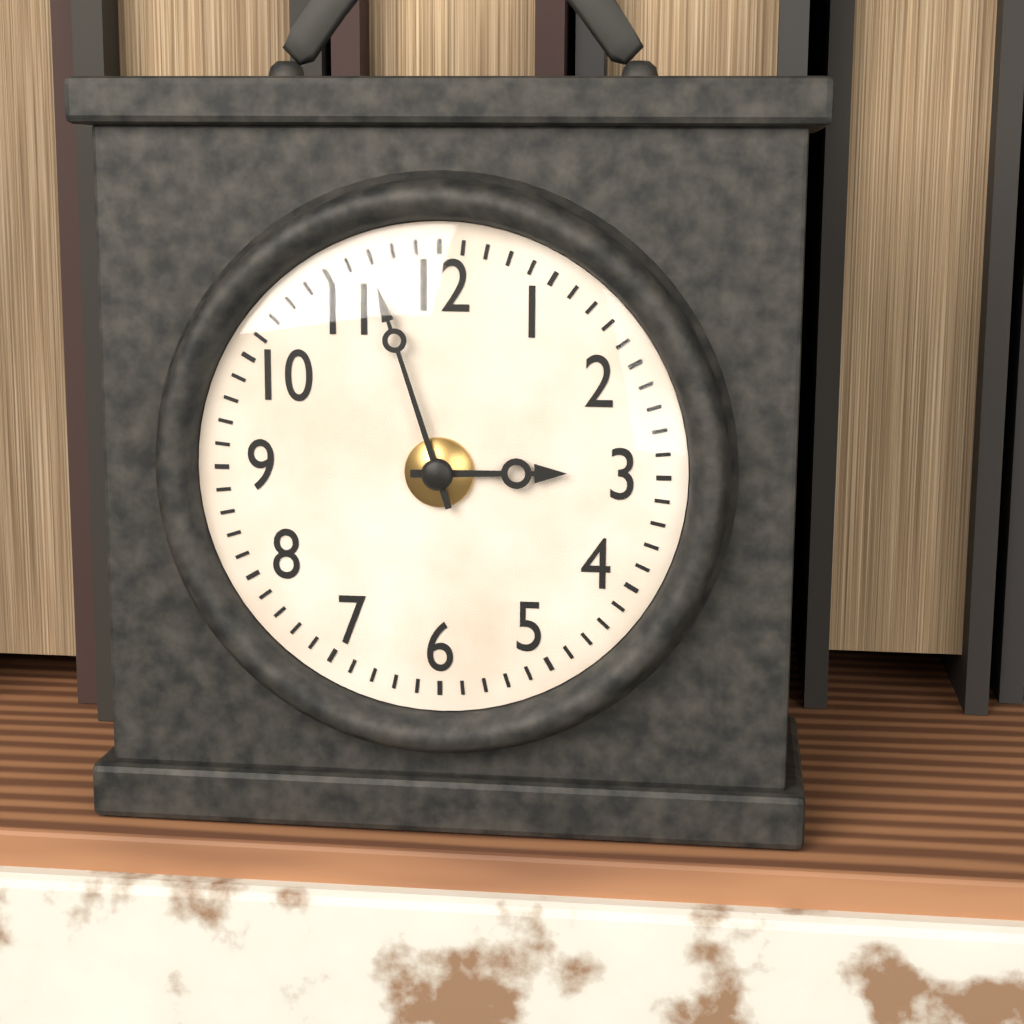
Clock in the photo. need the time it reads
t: 2:57
